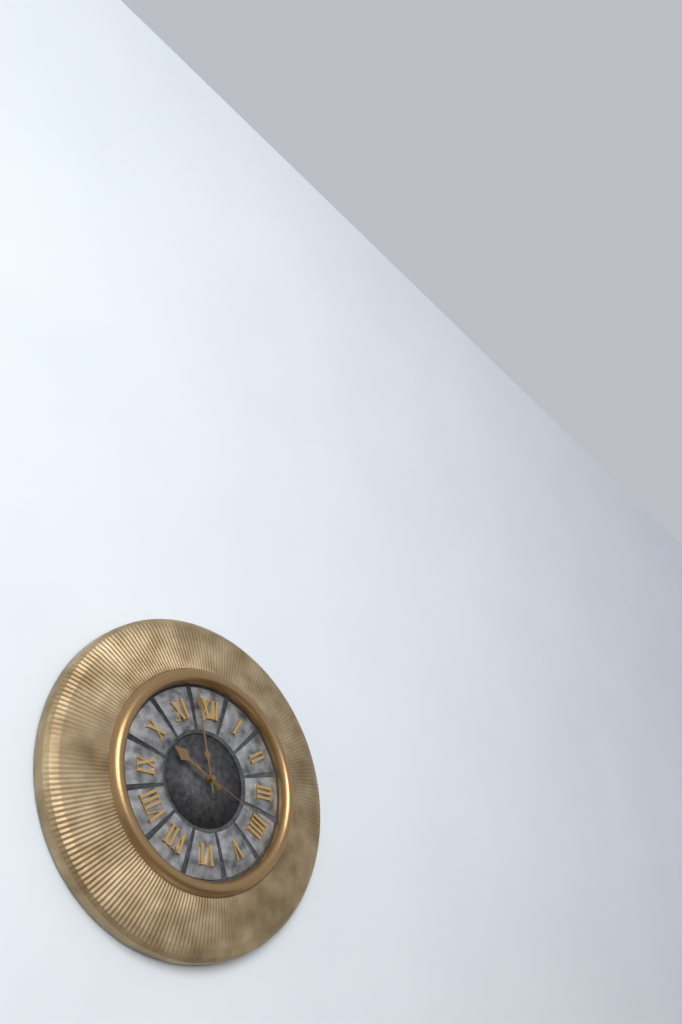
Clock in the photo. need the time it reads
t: 9:58:19
